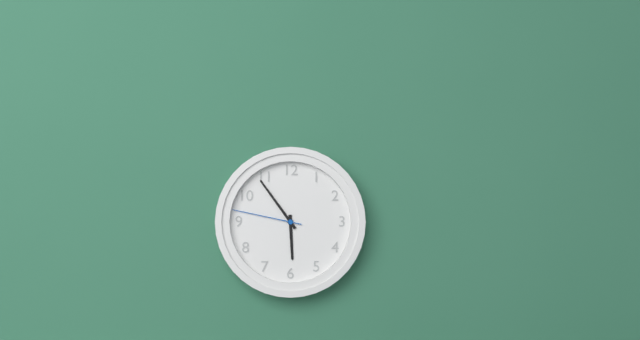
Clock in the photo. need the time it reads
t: 5:54:47
